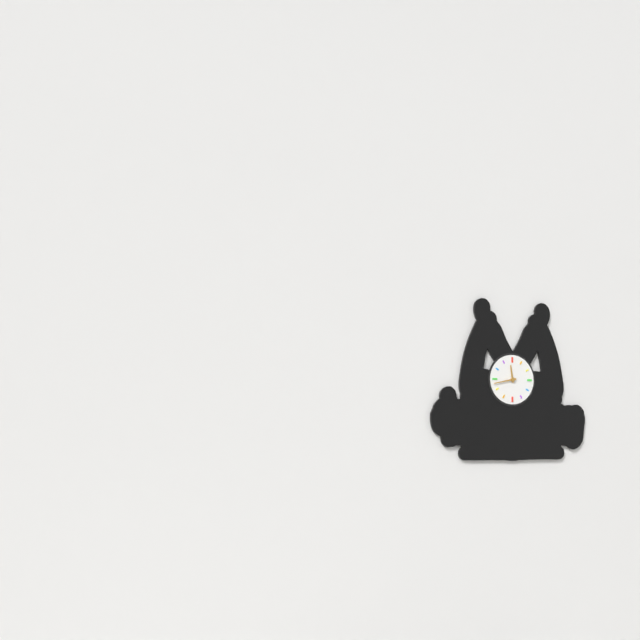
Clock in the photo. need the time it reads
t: 11:43
